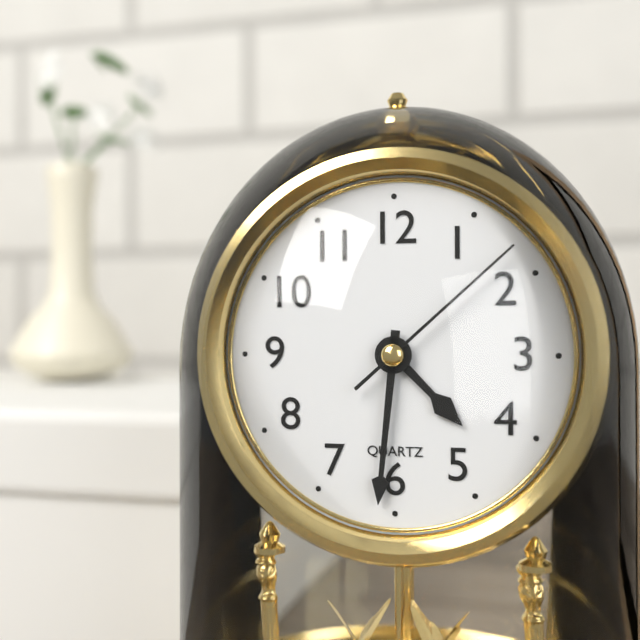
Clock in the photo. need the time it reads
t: 4:31:08
